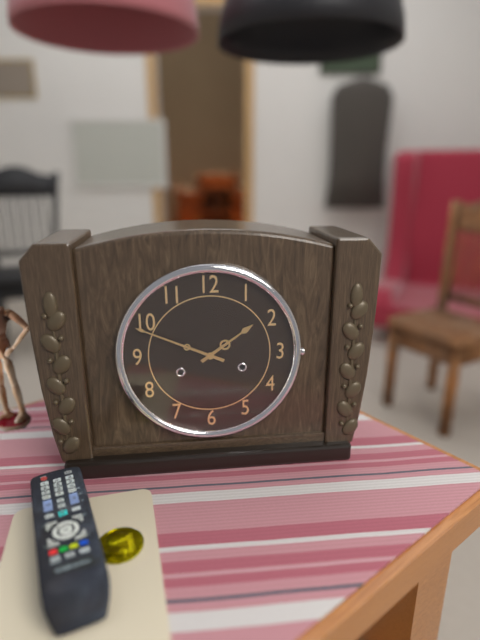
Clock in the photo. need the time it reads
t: 1:49
